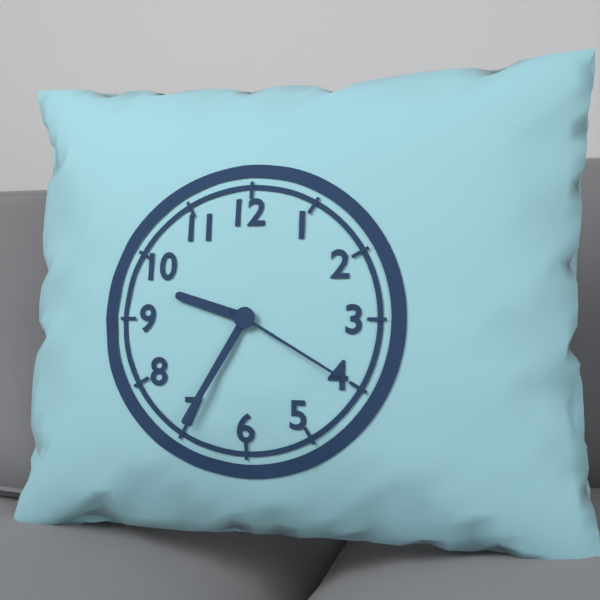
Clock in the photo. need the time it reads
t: 9:35:20
